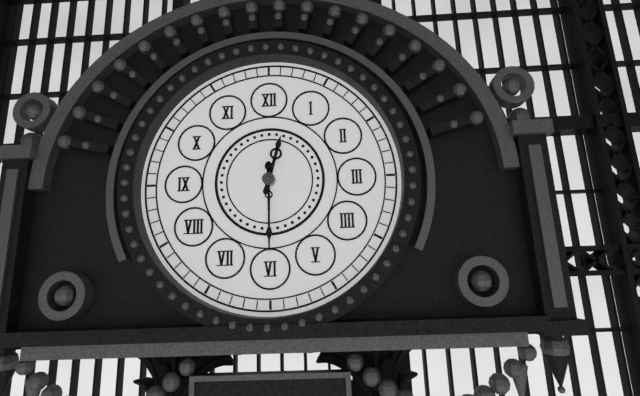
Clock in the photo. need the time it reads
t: 12:30
